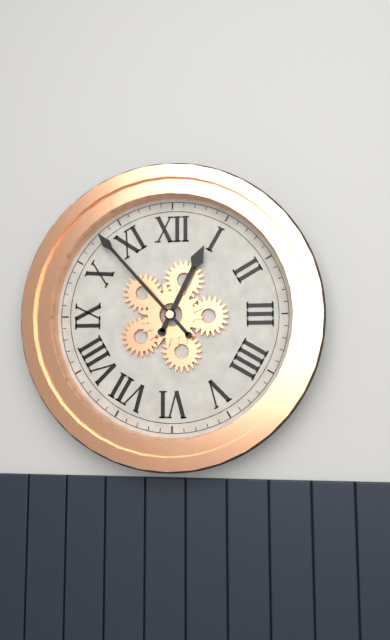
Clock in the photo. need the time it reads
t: 12:53
